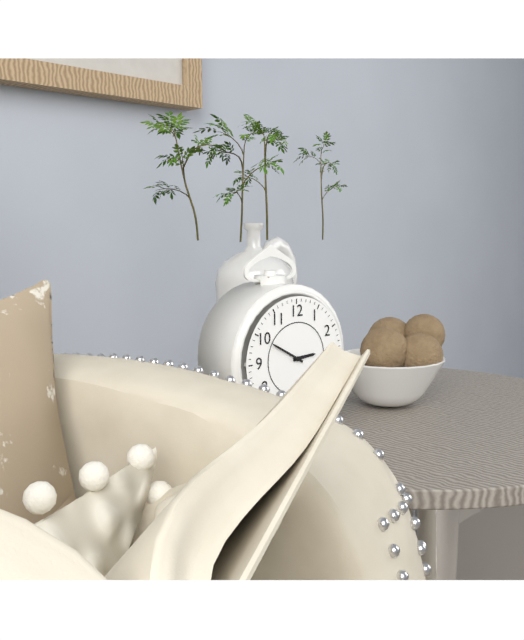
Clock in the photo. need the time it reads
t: 2:50
